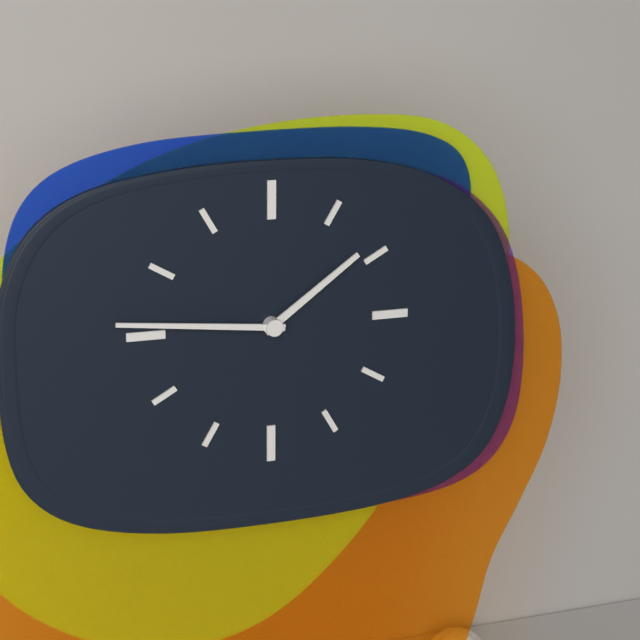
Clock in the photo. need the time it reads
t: 1:46
